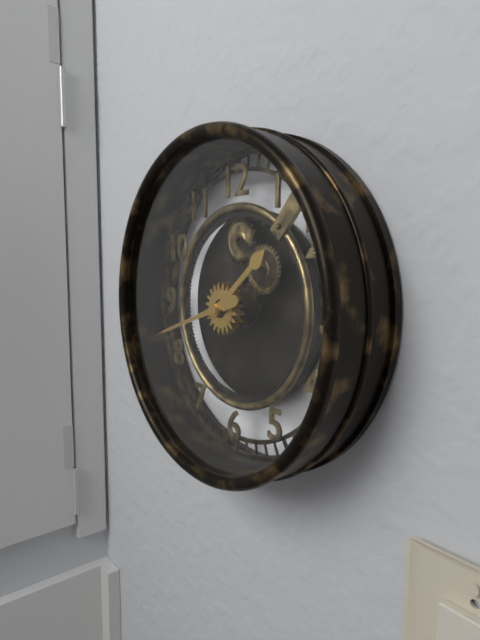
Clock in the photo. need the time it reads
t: 1:42
